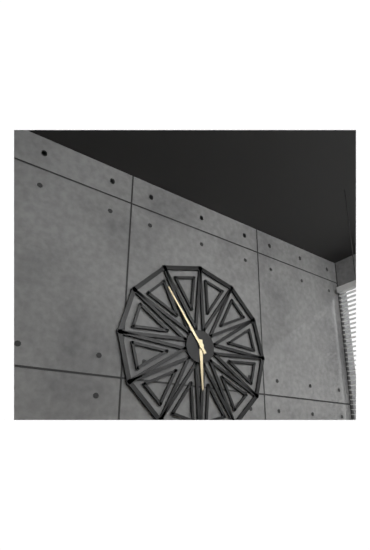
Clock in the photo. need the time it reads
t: 5:54
